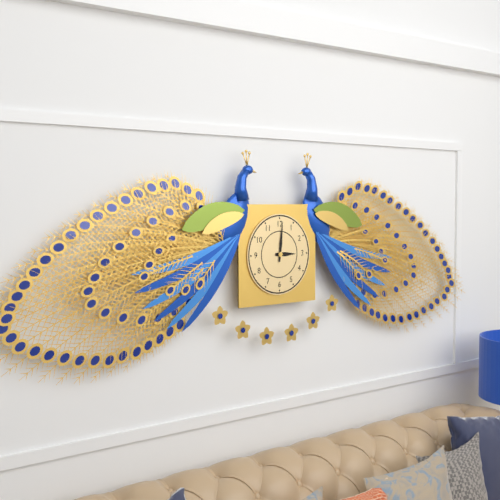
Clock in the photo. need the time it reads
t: 3:01
